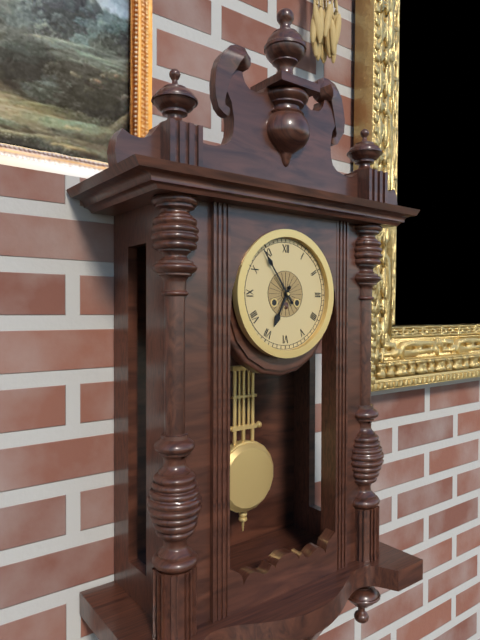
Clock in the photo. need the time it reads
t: 6:54
